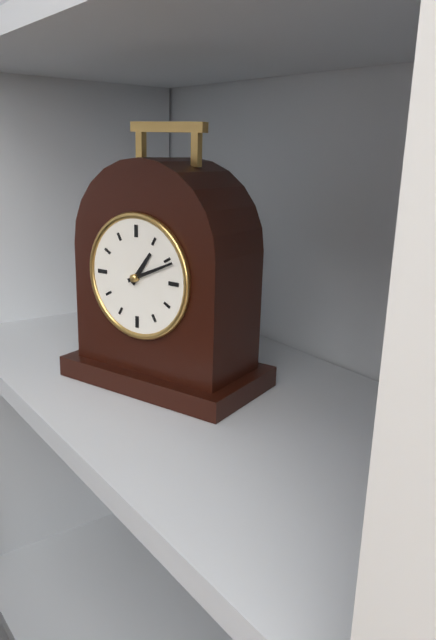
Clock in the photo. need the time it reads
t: 1:11
